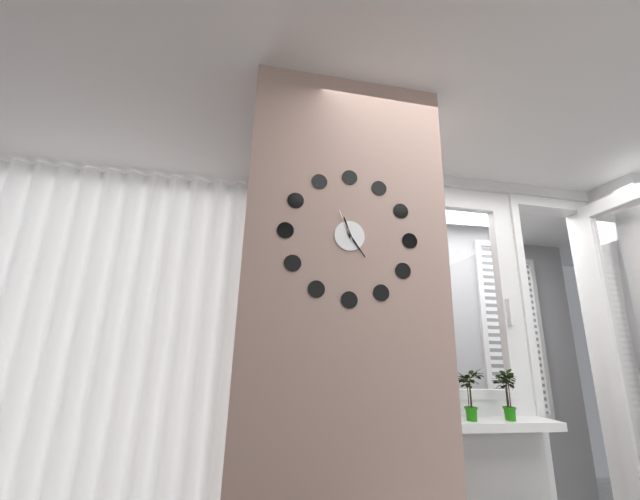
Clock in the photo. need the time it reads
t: 11:24
